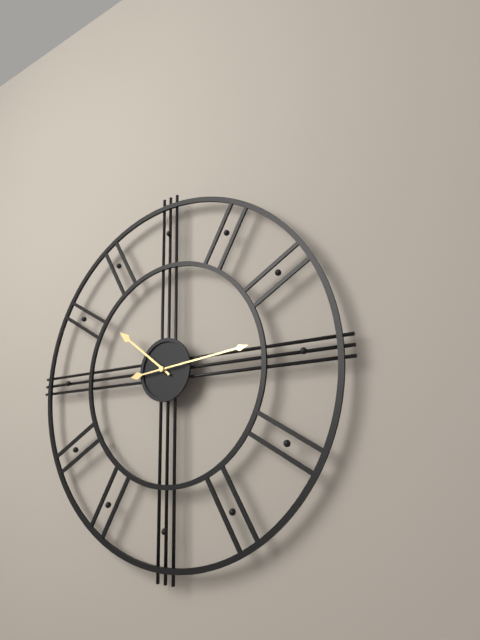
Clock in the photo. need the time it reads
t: 10:14
